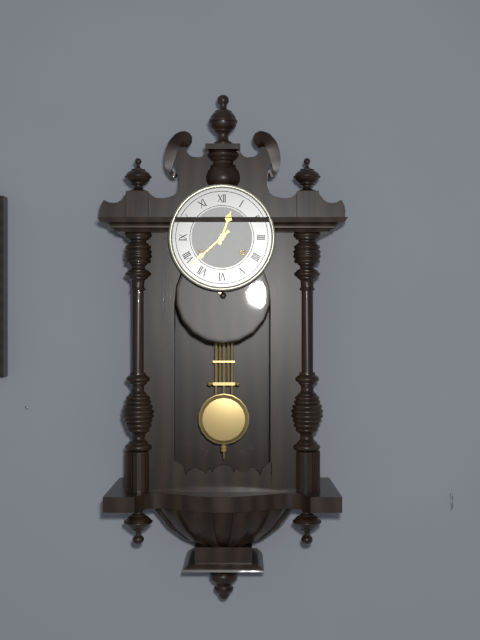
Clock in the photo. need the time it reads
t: 12:38
